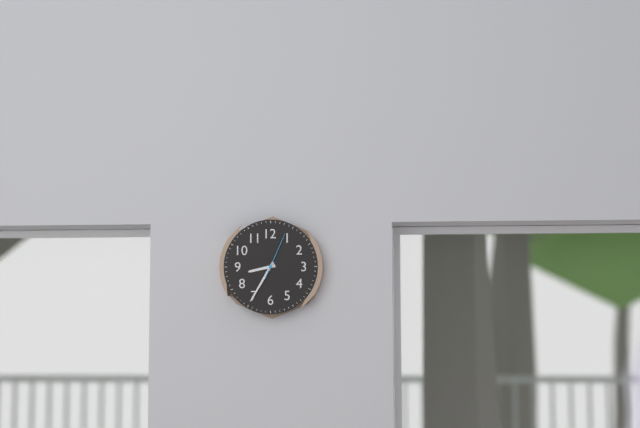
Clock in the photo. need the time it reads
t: 8:35
